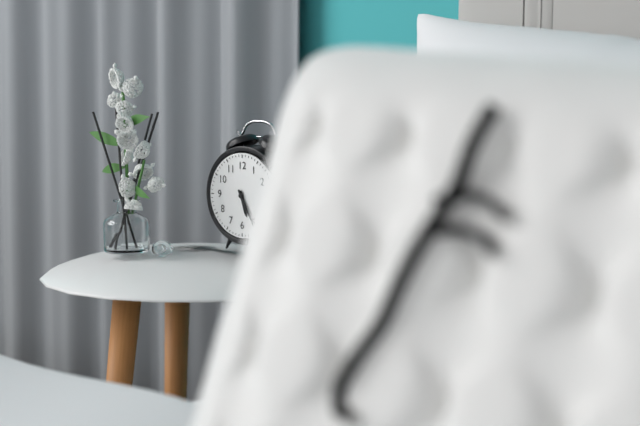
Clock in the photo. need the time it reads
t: 5:25
